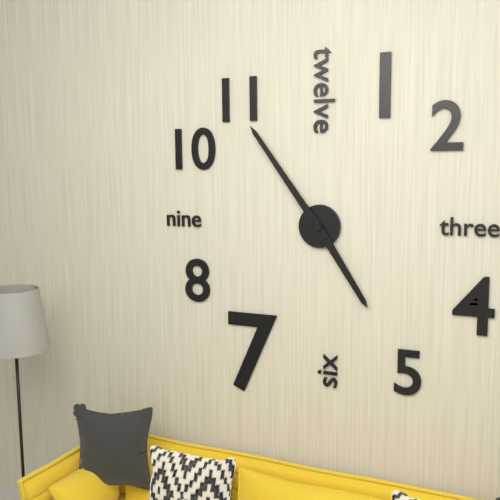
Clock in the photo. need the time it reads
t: 4:54
